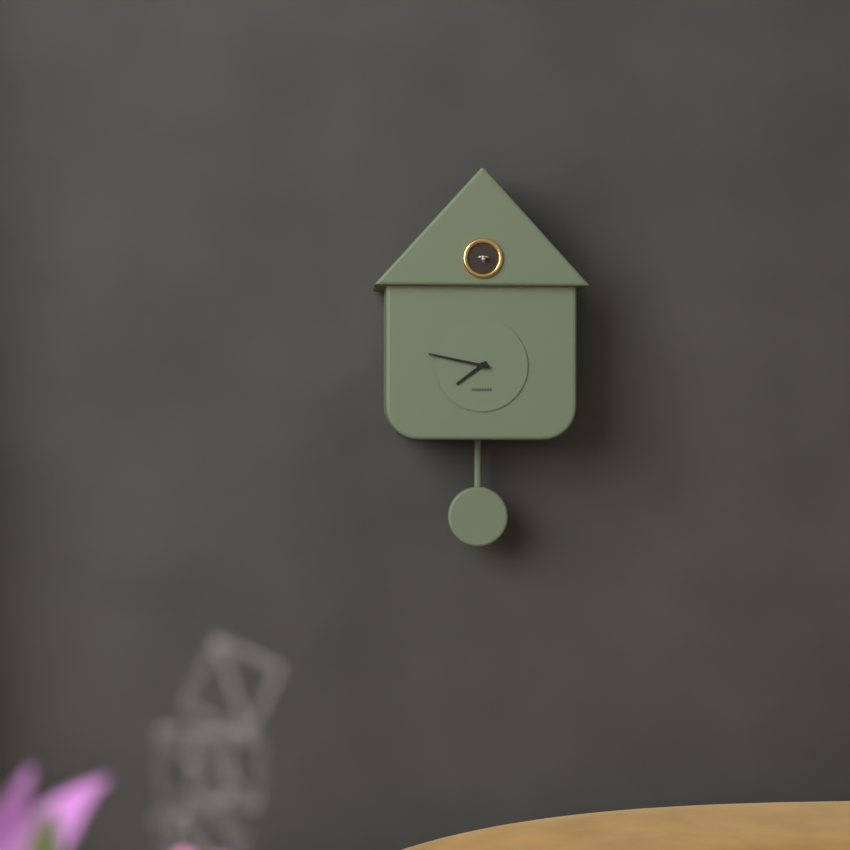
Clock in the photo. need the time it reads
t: 7:47
